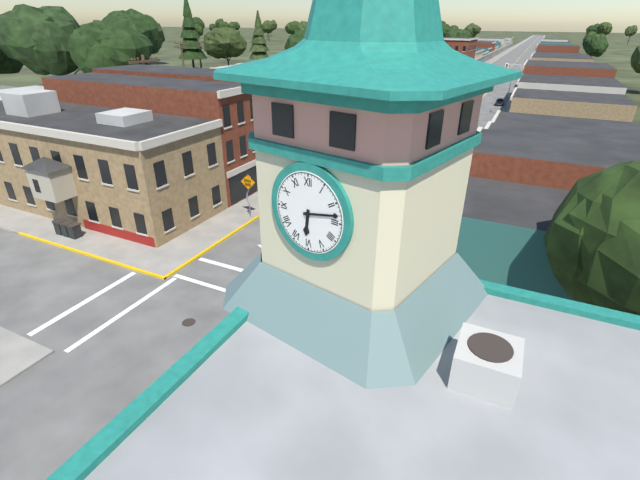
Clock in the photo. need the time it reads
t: 6:13
